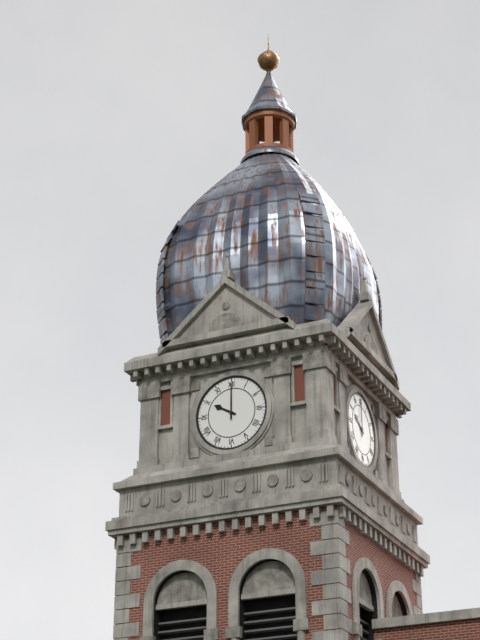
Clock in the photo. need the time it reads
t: 10:00
